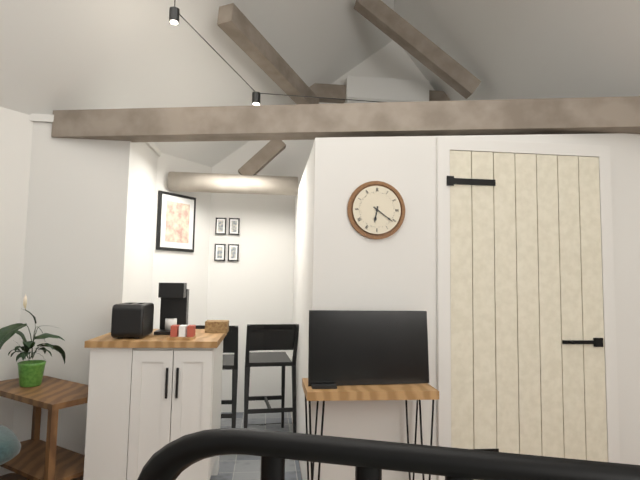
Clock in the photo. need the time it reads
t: 6:21
